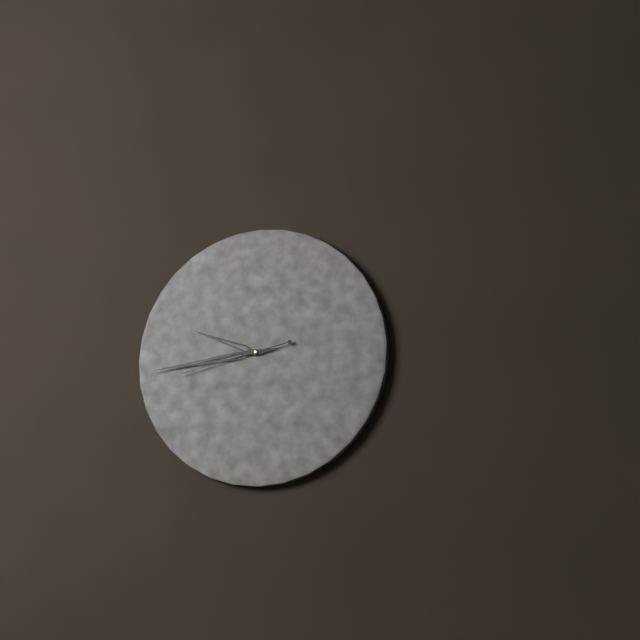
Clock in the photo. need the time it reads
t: 9:44:43
